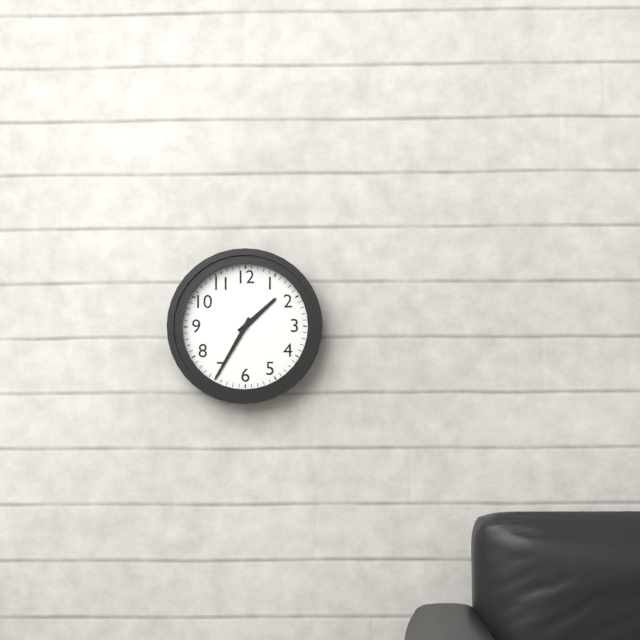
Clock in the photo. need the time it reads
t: 1:35
